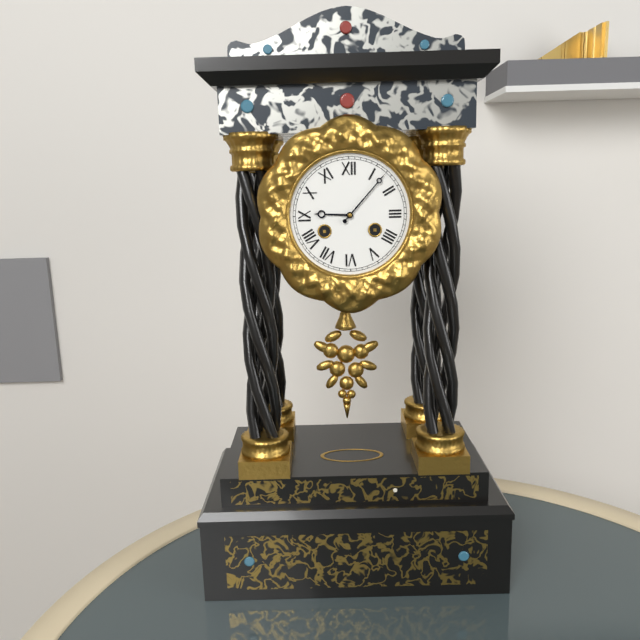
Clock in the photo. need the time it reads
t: 9:07
